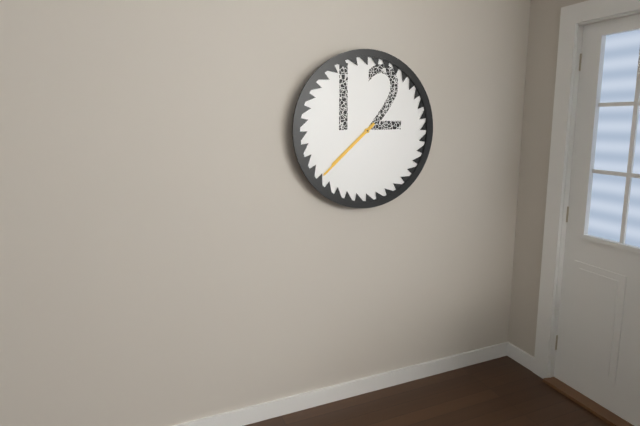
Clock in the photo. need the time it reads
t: 7:38
